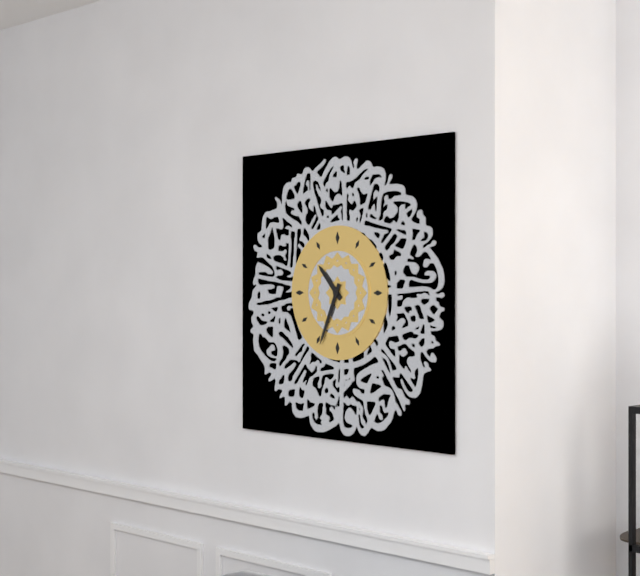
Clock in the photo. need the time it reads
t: 10:34
